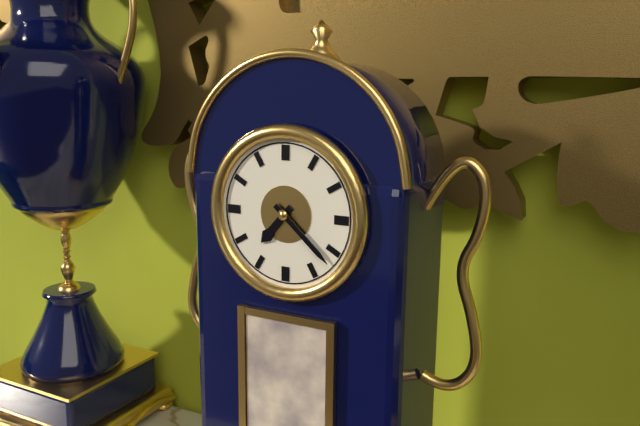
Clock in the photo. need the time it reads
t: 7:22
